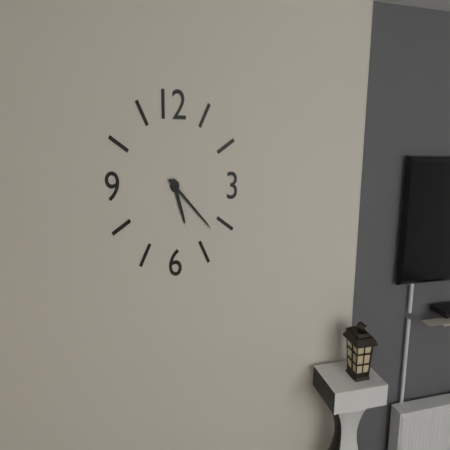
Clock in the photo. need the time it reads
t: 5:22
